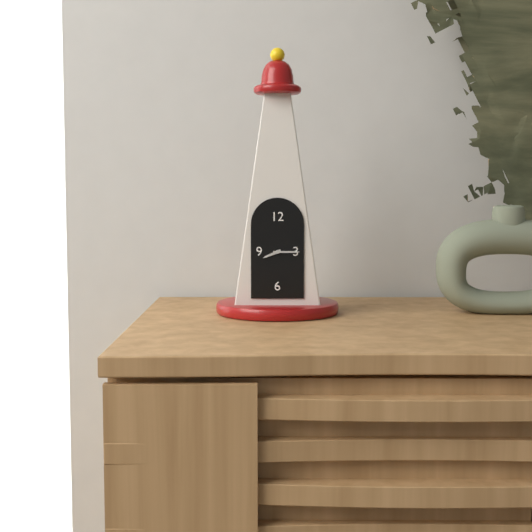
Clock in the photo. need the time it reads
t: 8:15
